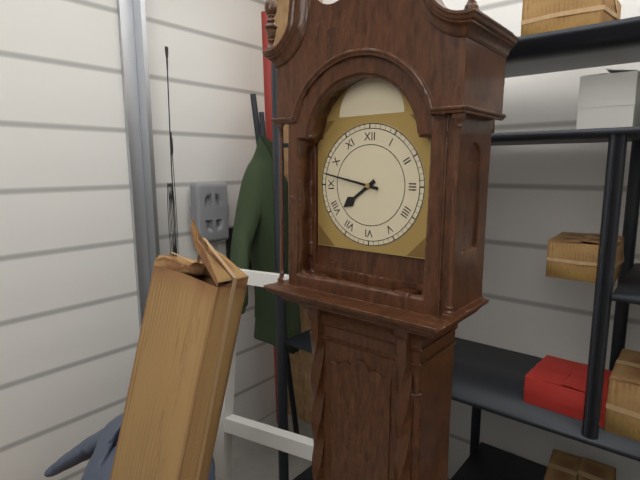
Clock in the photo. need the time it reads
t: 7:47
